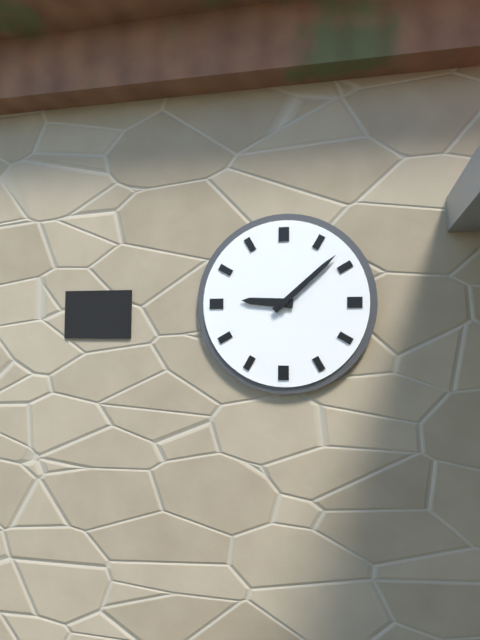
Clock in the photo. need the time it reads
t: 9:08
